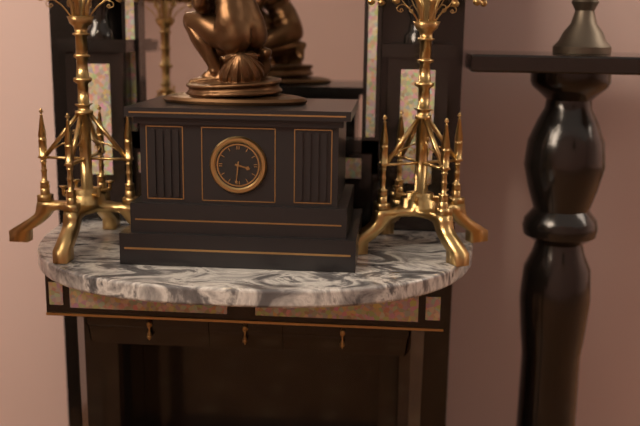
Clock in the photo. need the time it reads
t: 3:31
